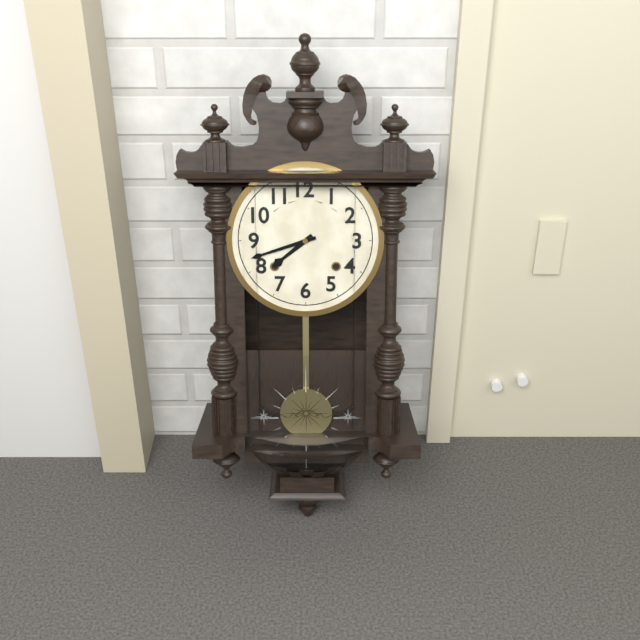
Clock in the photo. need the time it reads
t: 7:42
